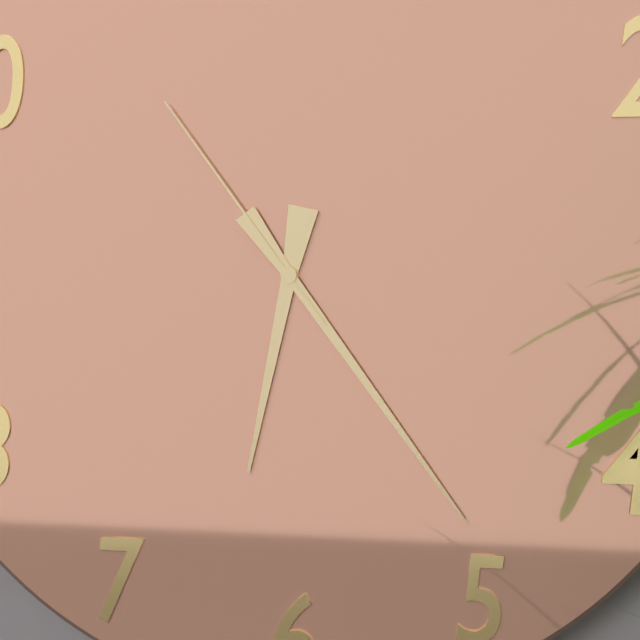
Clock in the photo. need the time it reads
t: 6:24:54
